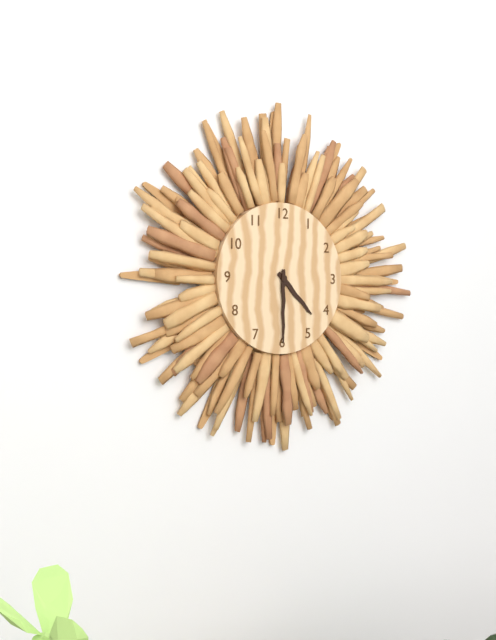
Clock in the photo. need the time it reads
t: 4:30
